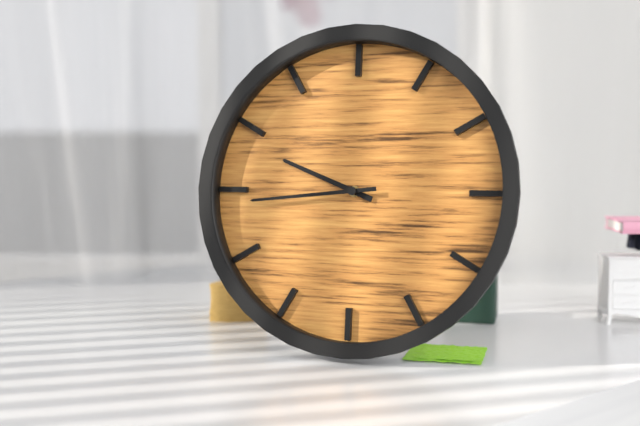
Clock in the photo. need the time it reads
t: 9:44
